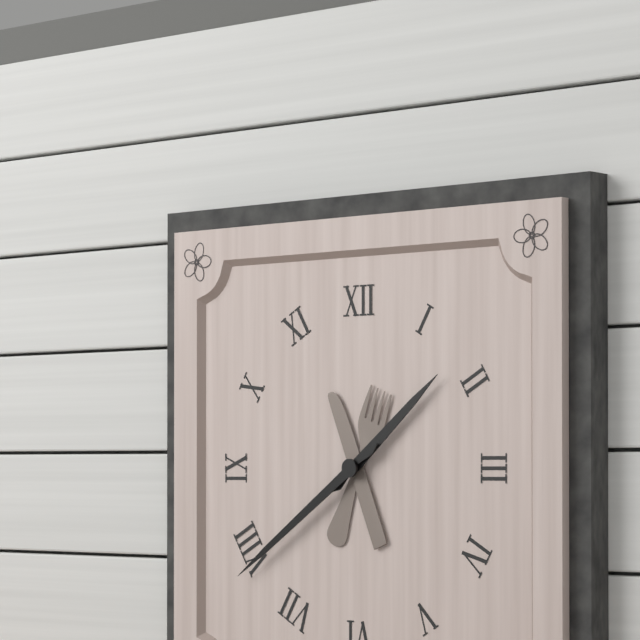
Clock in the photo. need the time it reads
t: 1:39
